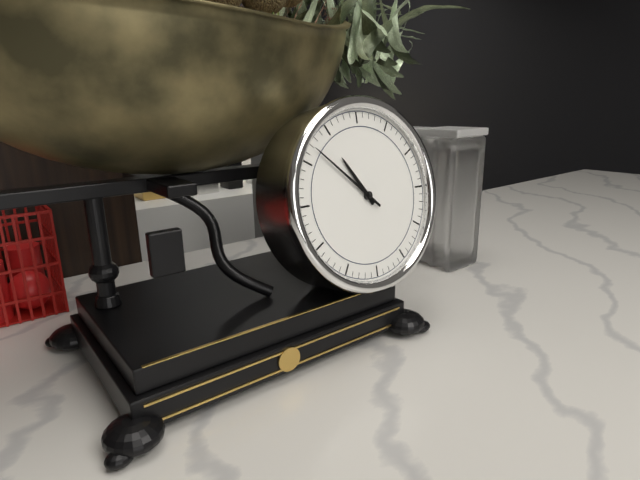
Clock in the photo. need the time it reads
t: 10:52
